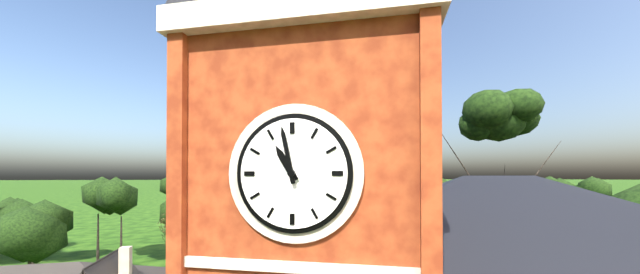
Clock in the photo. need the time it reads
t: 10:58
